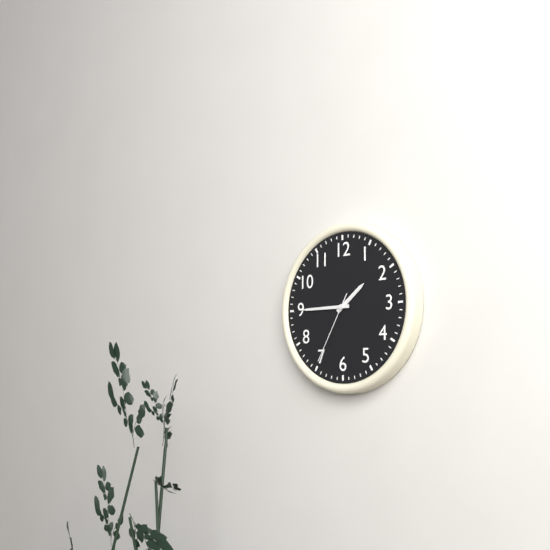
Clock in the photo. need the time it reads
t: 1:45:35
